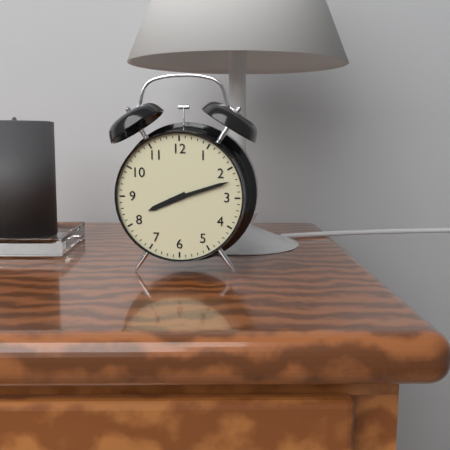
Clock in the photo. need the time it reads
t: 8:12
